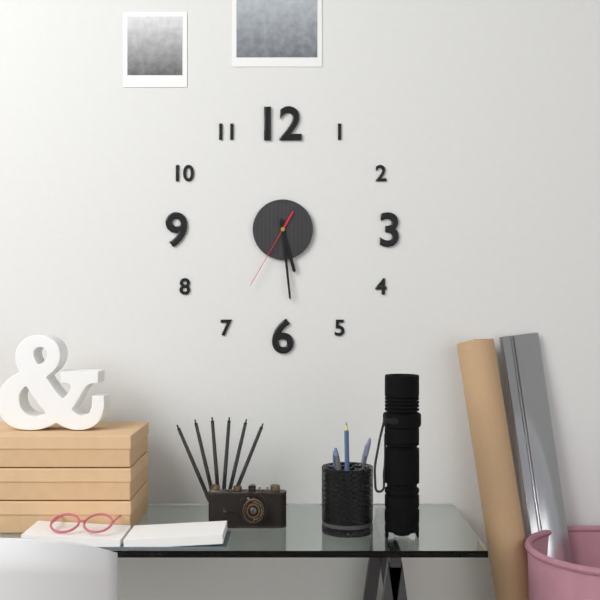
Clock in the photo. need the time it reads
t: 5:29:35
